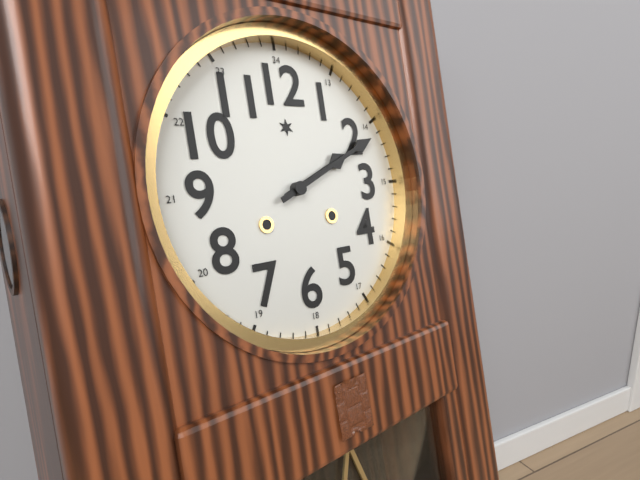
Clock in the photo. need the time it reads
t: 2:11
